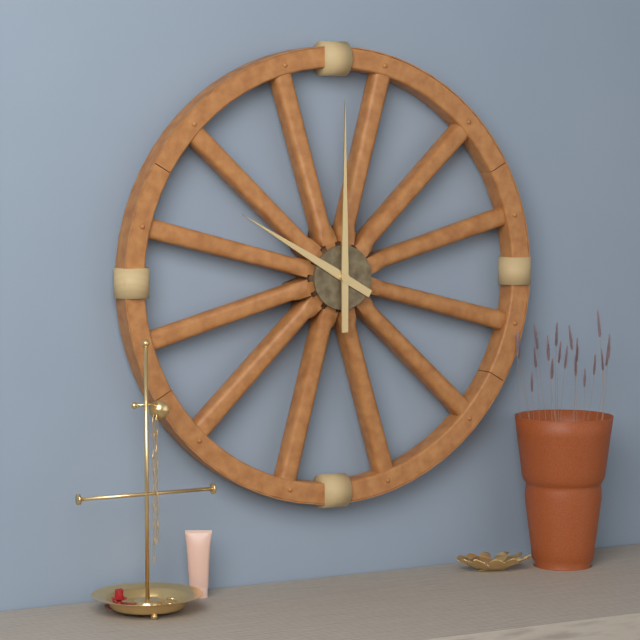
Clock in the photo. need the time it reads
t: 10:00
